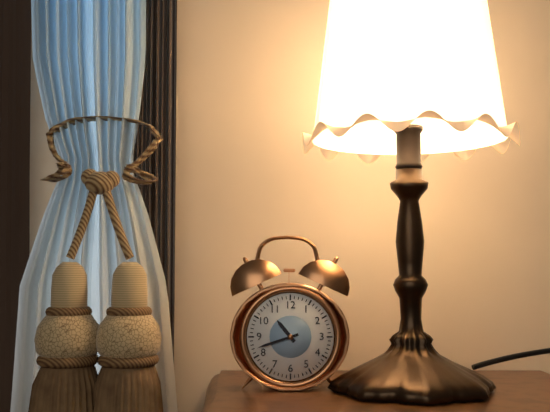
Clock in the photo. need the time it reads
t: 10:42
